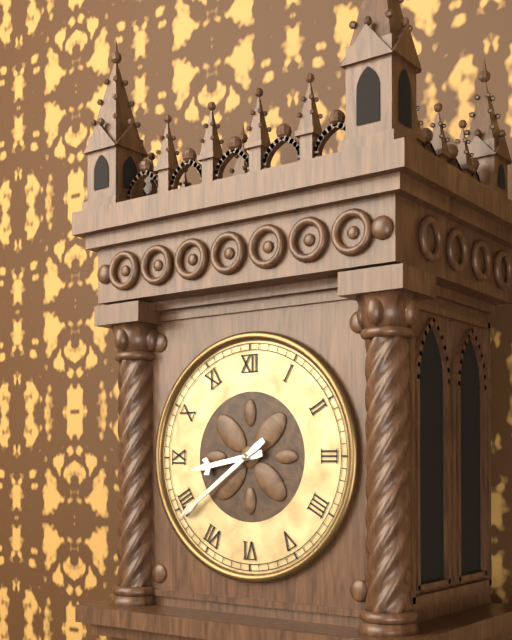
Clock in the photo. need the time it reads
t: 8:39
